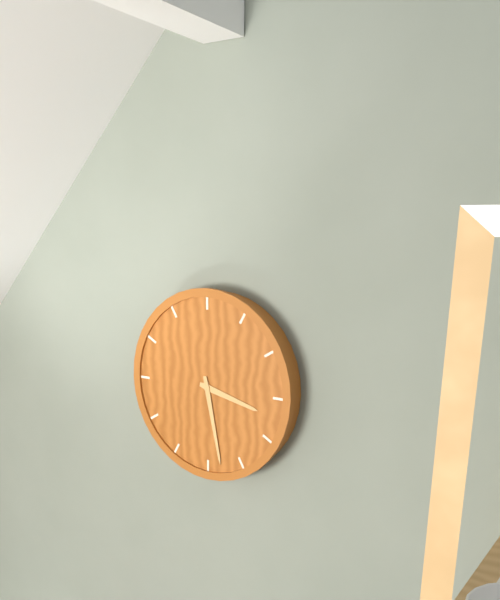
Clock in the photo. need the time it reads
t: 3:28
